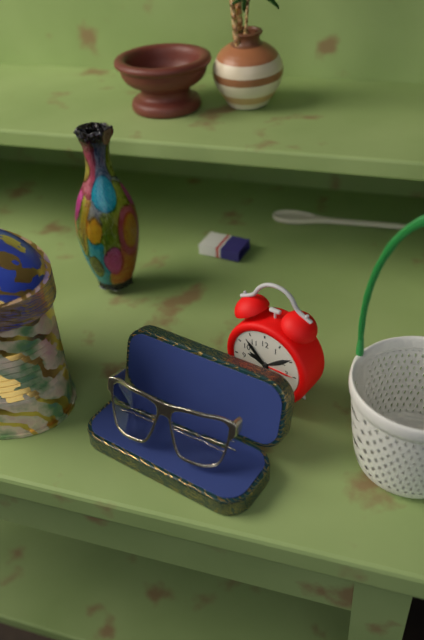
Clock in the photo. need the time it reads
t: 9:53
